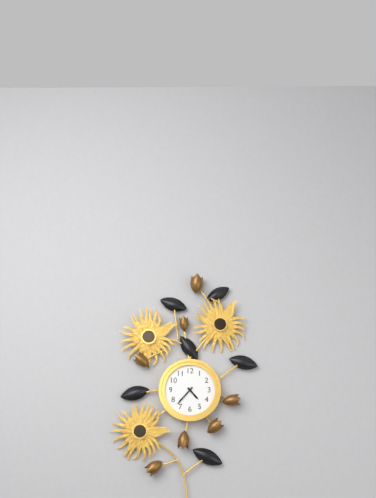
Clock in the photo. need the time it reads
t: 4:37
